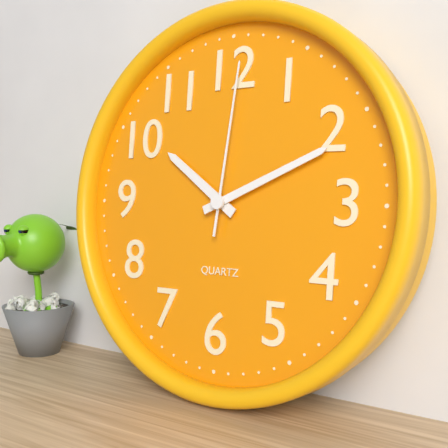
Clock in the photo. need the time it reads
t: 10:11:01
